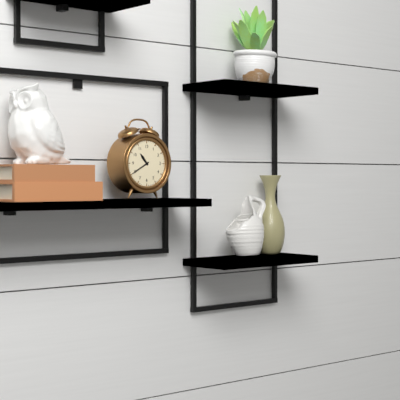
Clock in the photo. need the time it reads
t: 10:40
